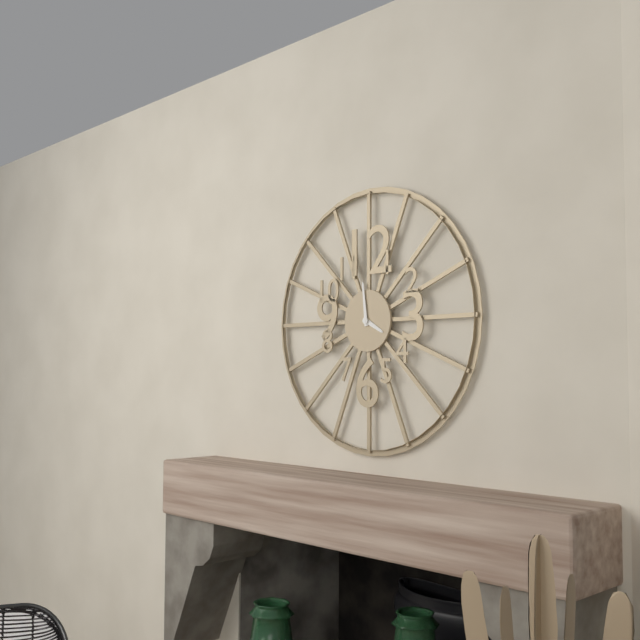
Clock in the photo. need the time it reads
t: 3:59
